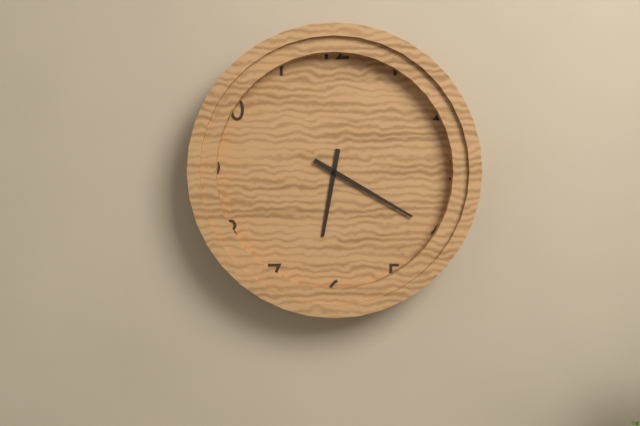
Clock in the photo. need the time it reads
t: 6:20
